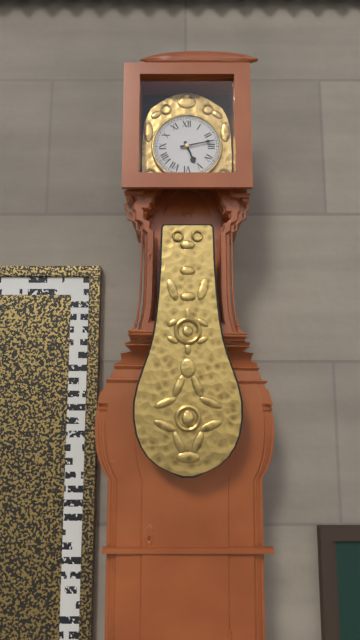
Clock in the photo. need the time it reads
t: 5:13
